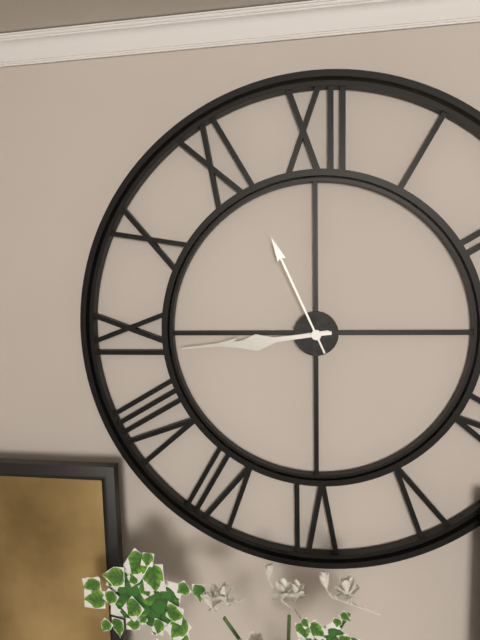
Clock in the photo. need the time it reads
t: 8:44:56
